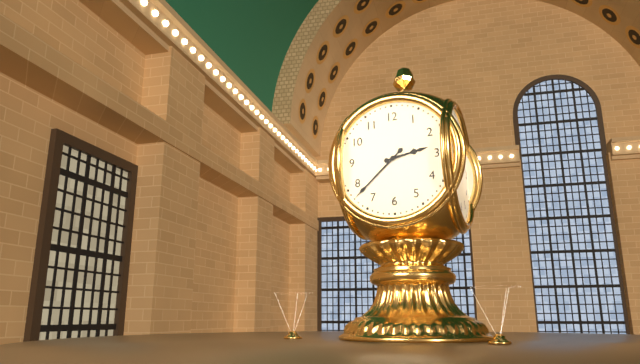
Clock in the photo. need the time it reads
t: 2:38
